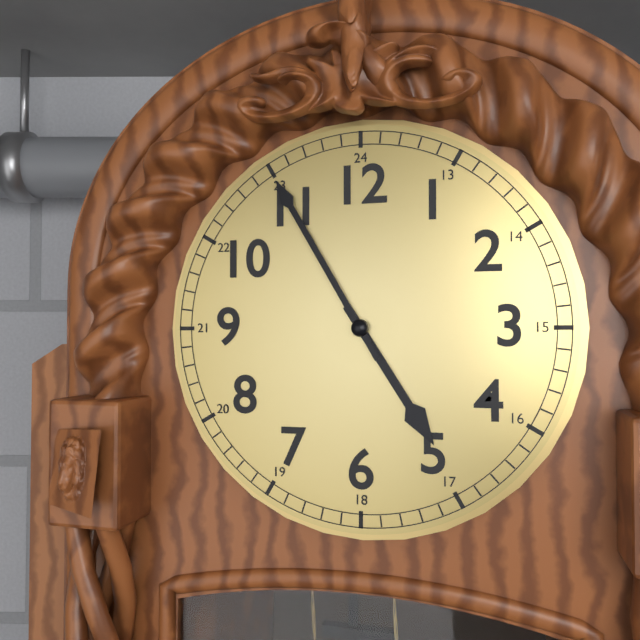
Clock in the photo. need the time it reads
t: 4:55
